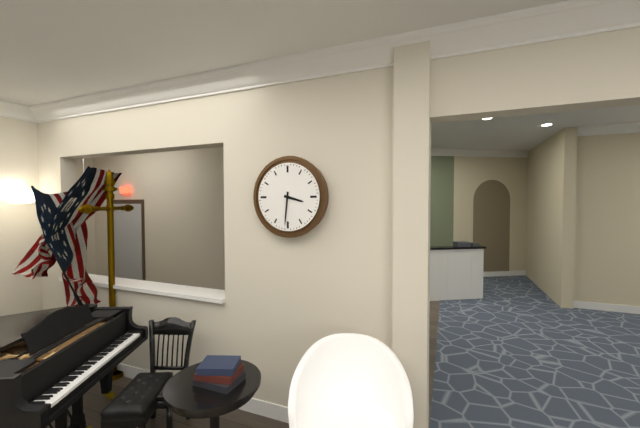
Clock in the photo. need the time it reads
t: 3:31
